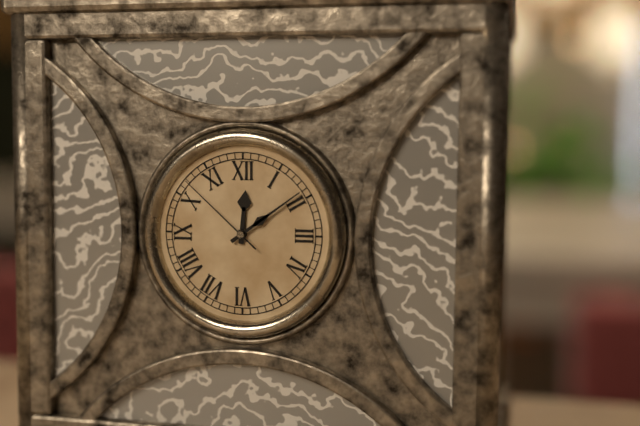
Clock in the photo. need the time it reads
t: 12:09:52
